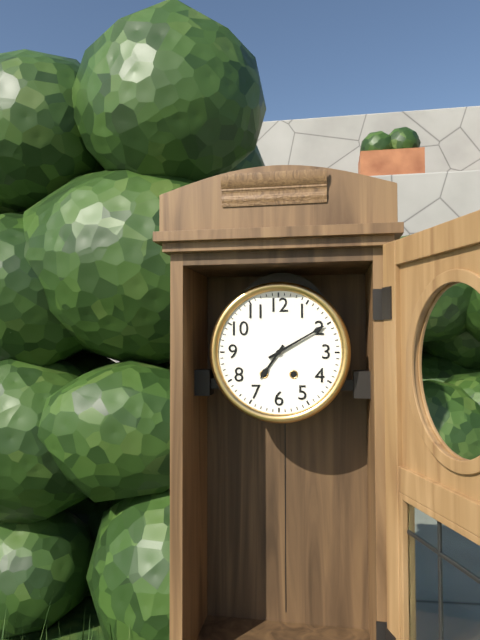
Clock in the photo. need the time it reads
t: 7:10
